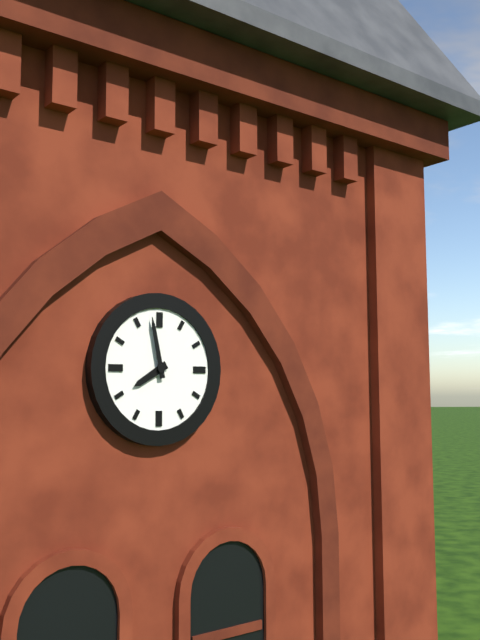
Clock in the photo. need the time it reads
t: 7:58
